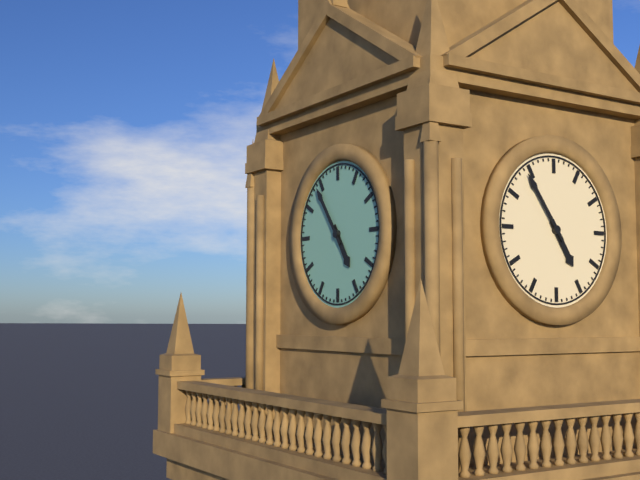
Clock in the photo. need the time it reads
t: 4:54
